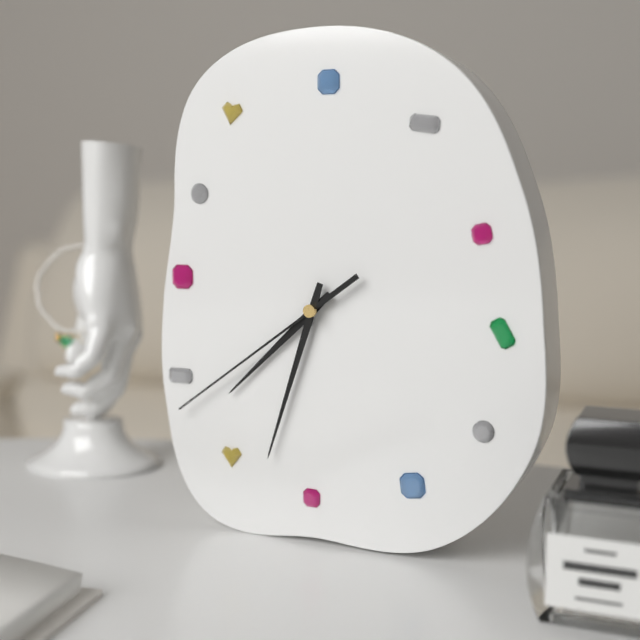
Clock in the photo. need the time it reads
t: 7:33:39
